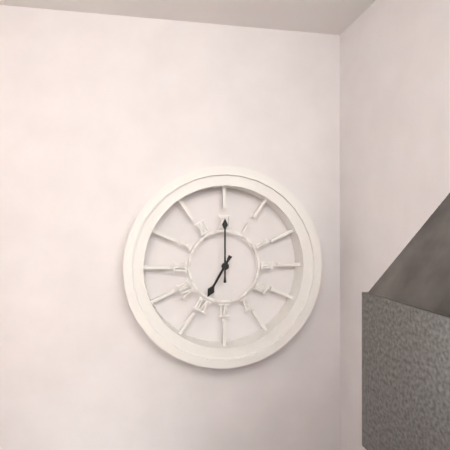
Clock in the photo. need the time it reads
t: 7:00
